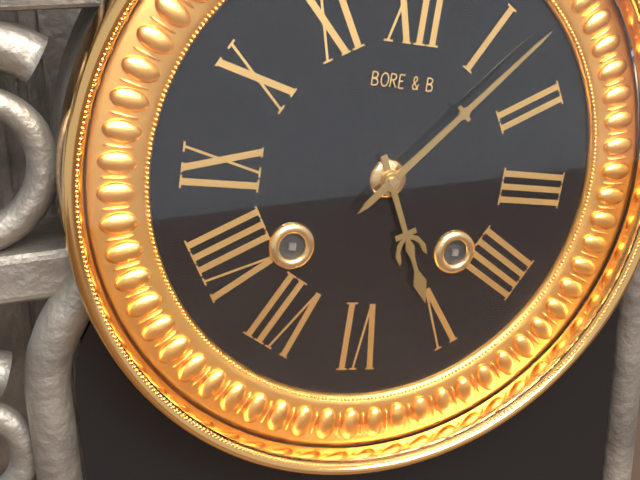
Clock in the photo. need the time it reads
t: 5:07
